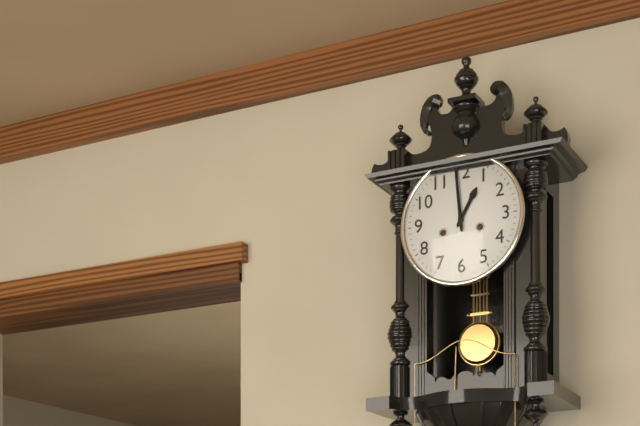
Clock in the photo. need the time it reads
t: 12:59
